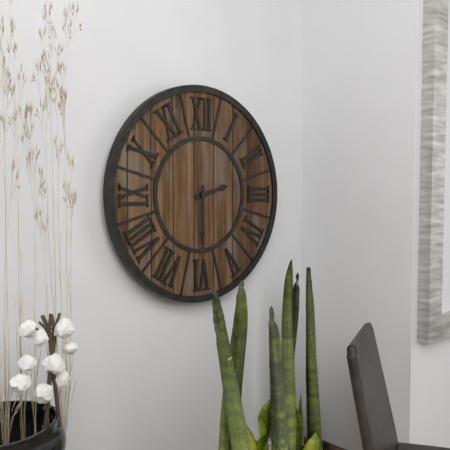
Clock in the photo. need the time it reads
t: 2:30
